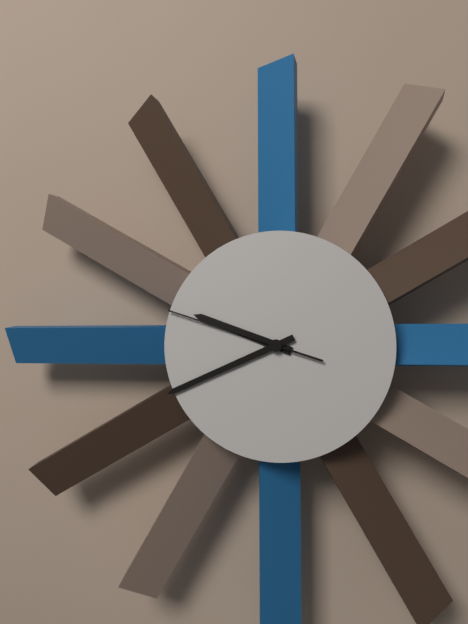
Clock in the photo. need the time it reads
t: 9:41:48
